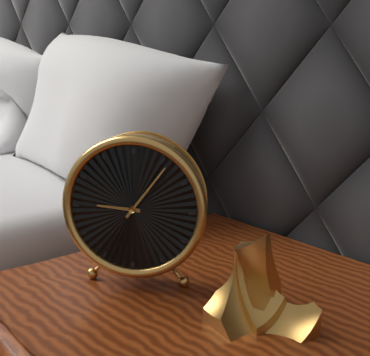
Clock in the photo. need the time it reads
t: 9:06
